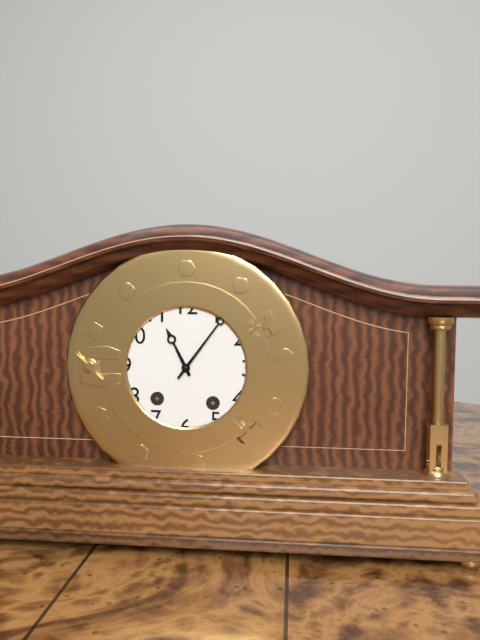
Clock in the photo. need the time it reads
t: 11:06
